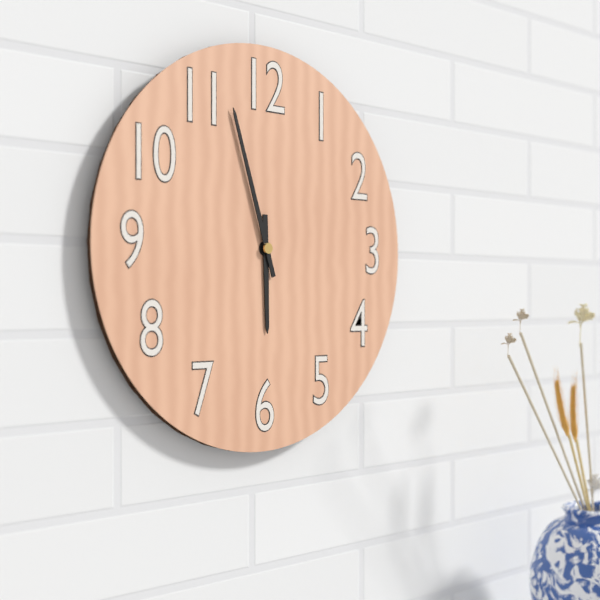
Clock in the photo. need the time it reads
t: 5:57
